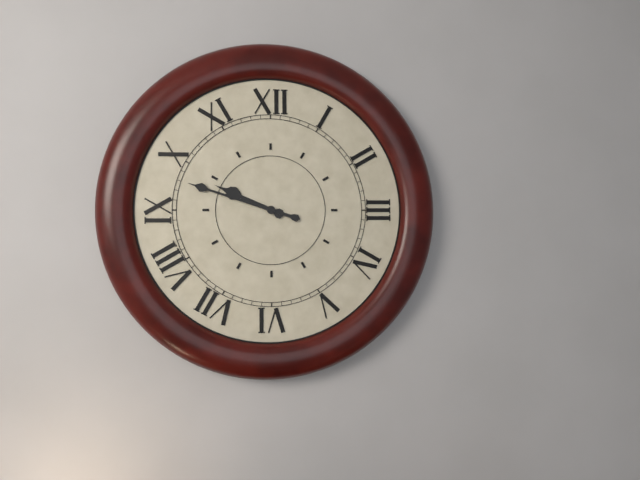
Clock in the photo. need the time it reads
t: 9:48
